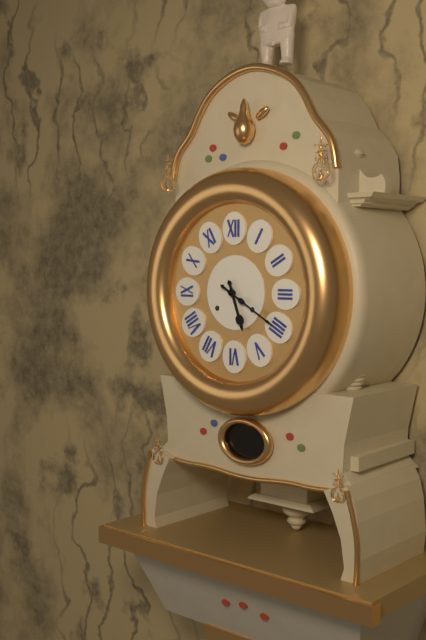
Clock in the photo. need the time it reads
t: 5:20
